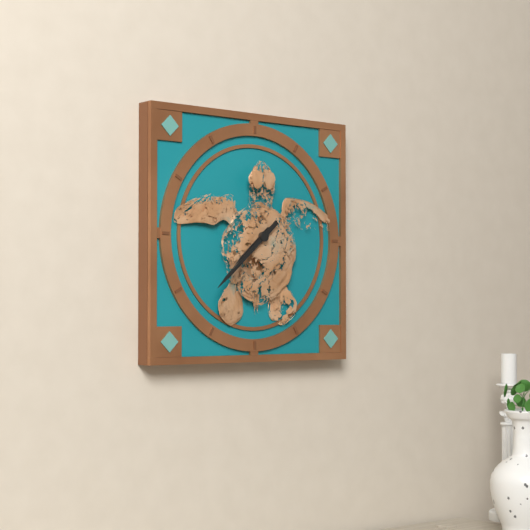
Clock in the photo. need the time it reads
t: 7:38
